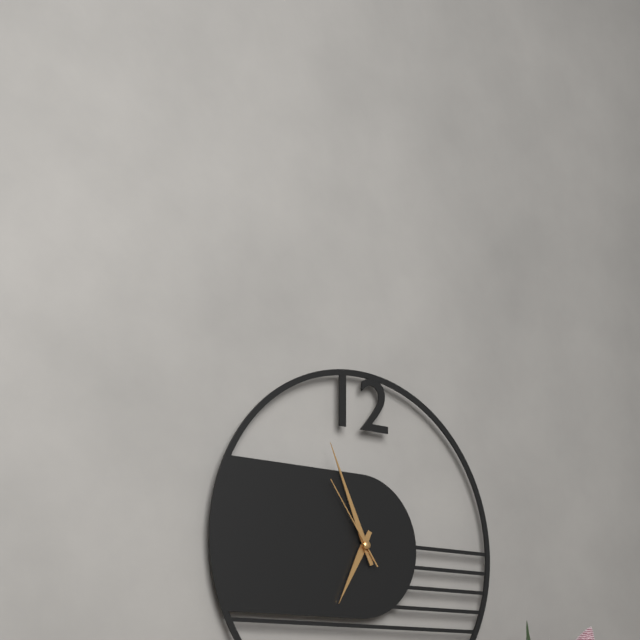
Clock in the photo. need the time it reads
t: 6:56:54
